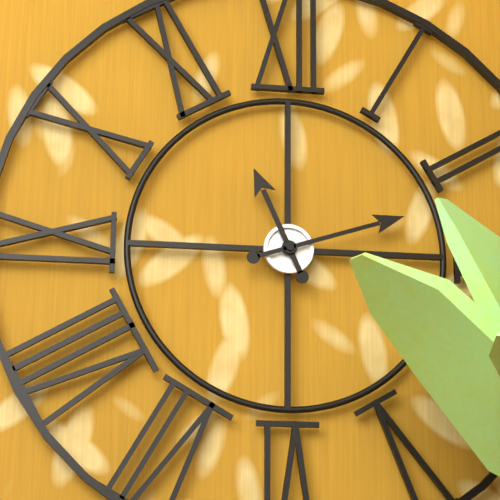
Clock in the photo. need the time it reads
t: 11:12
